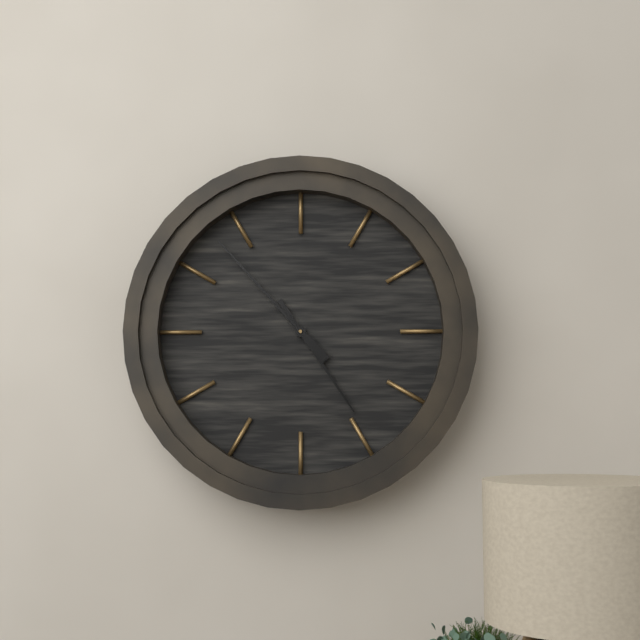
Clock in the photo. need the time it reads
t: 4:53
